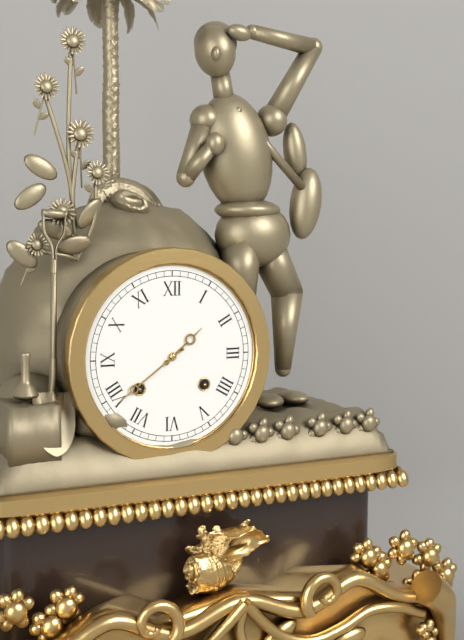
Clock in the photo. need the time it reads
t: 1:39
